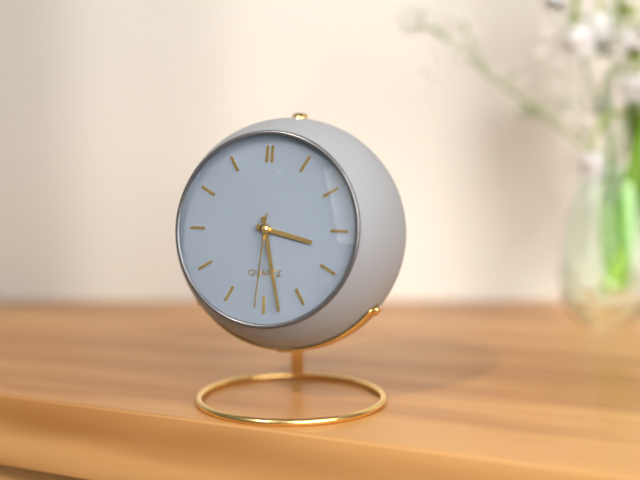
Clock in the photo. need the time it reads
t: 3:28:31
